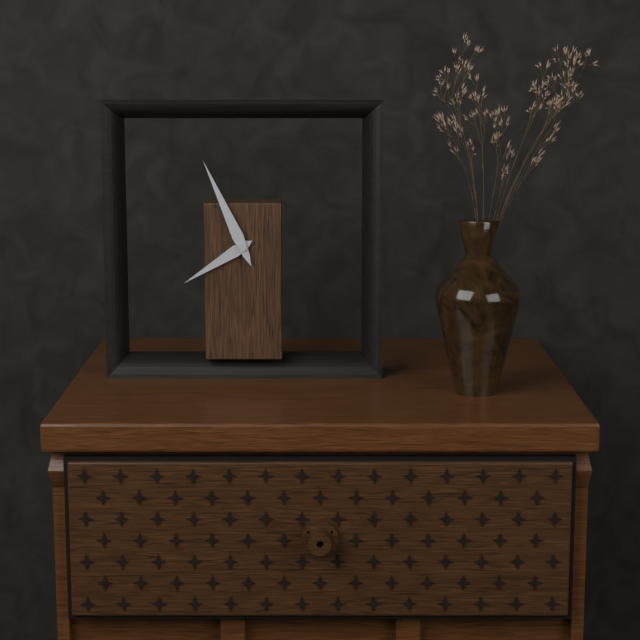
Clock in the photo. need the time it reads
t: 7:56
